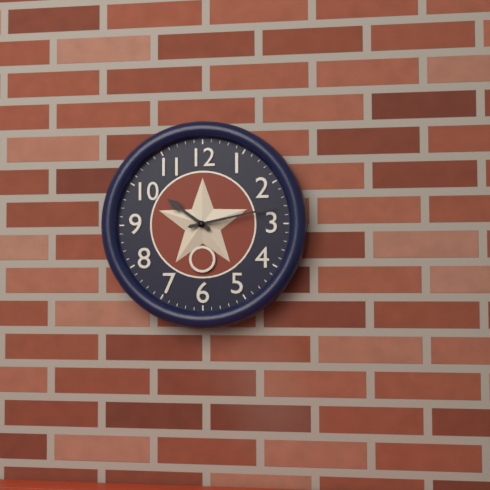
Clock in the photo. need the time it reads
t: 10:13
